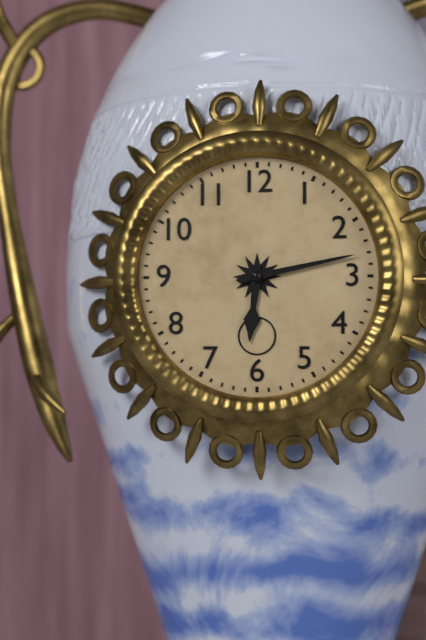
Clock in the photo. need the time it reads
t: 6:13
